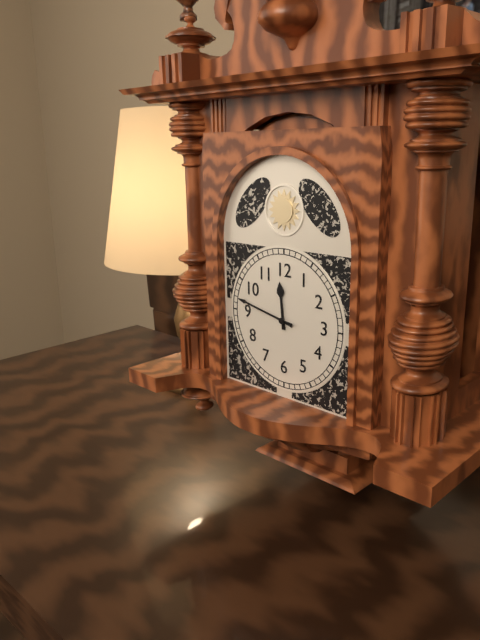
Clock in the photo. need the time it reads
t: 11:47
